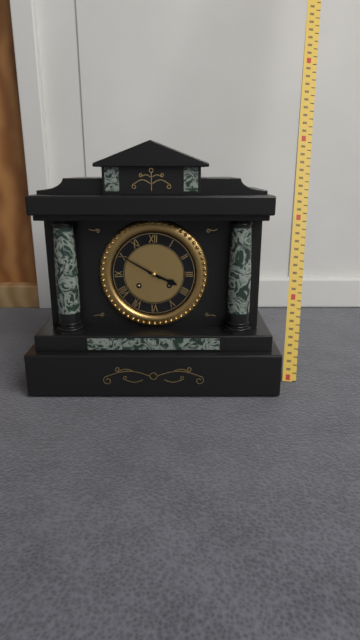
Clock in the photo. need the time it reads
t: 3:50
